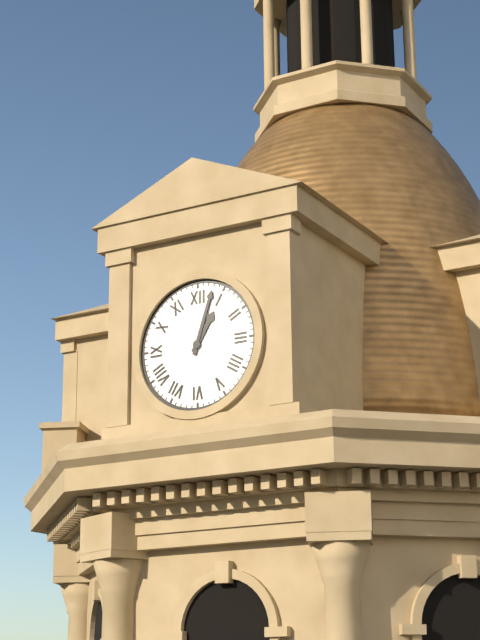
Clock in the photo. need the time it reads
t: 1:03
